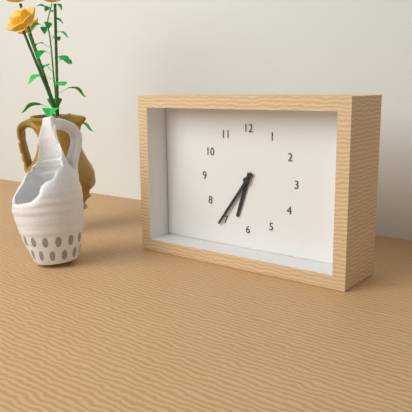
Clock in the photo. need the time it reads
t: 6:36
